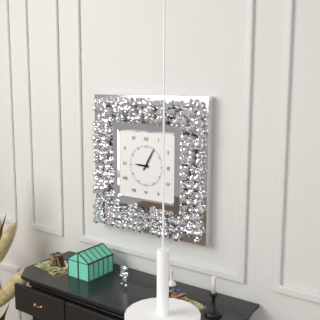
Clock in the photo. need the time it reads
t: 9:05
